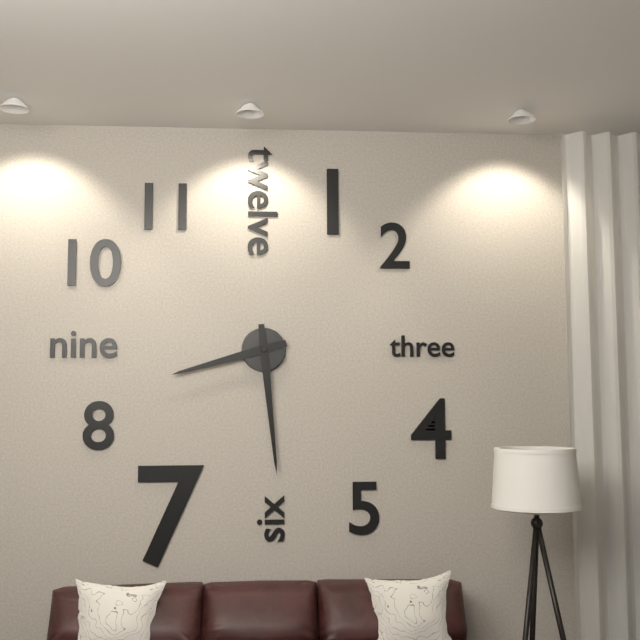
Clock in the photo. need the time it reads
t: 8:29
